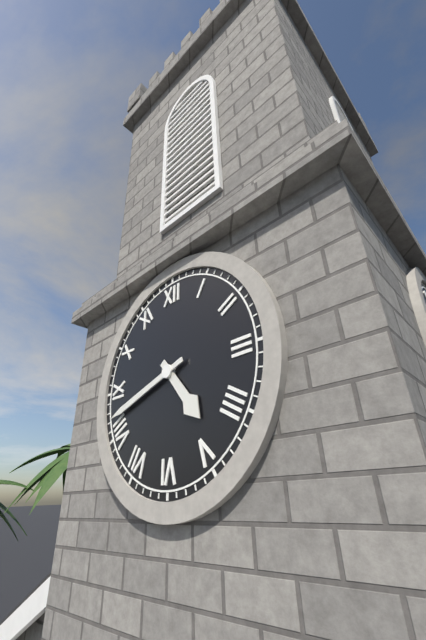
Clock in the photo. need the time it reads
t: 4:42
